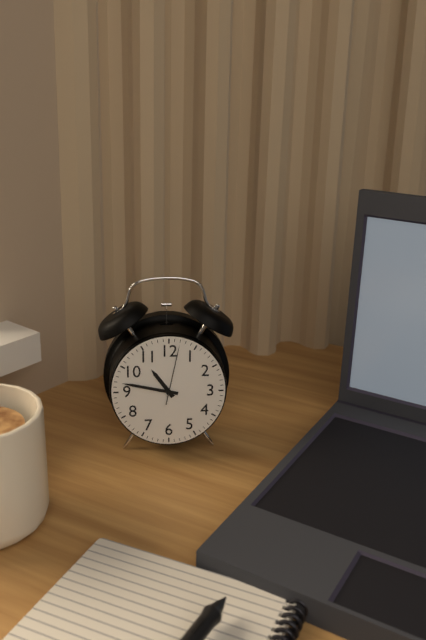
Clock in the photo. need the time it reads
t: 10:47:02
